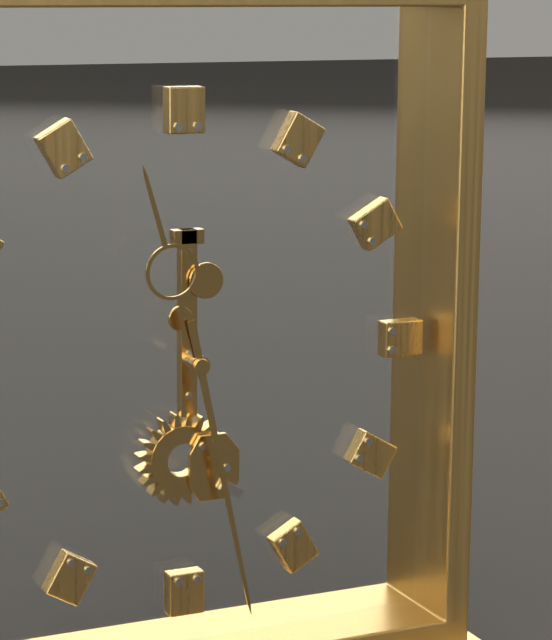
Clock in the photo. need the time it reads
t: 11:28
